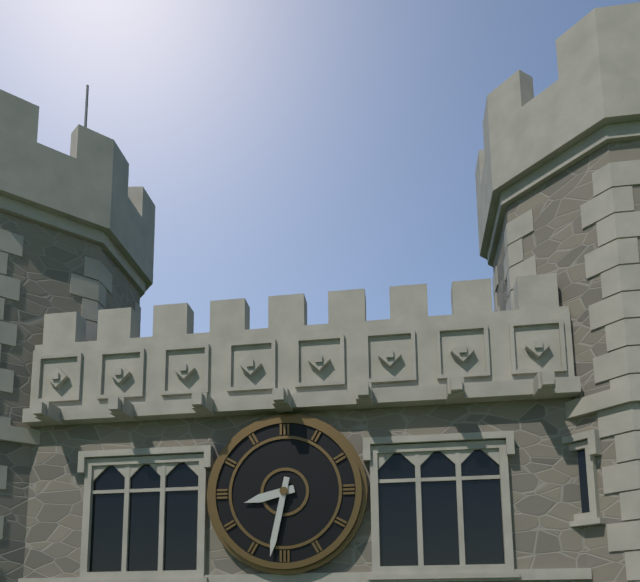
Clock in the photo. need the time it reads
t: 8:32
